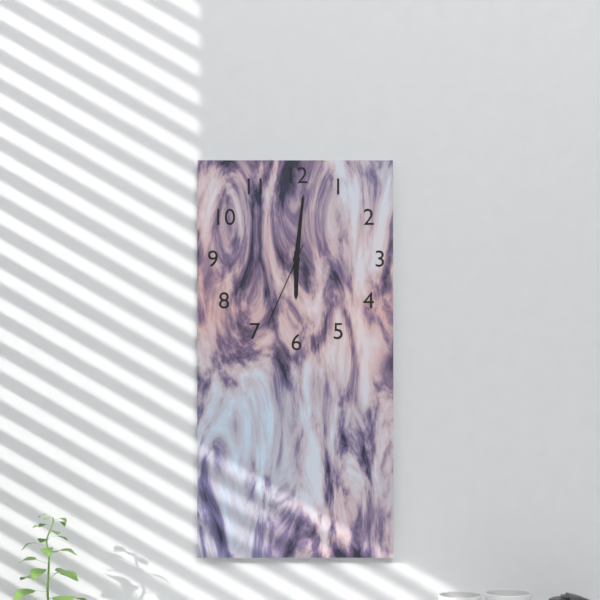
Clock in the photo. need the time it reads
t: 6:01:34
